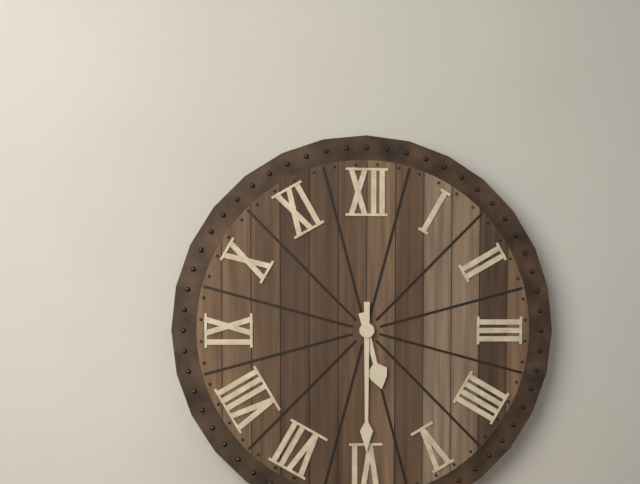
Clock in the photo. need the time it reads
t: 5:30
